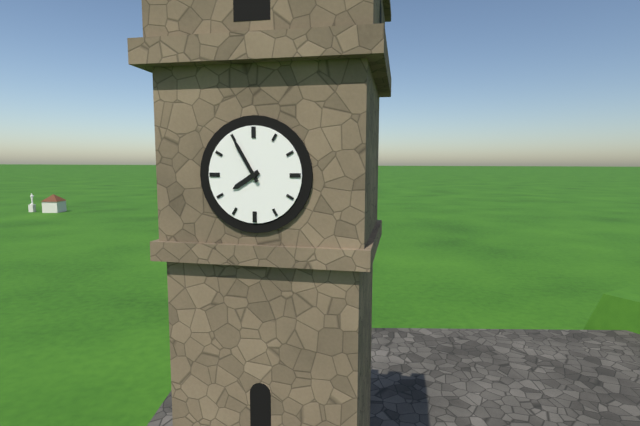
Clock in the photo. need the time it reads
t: 7:55
